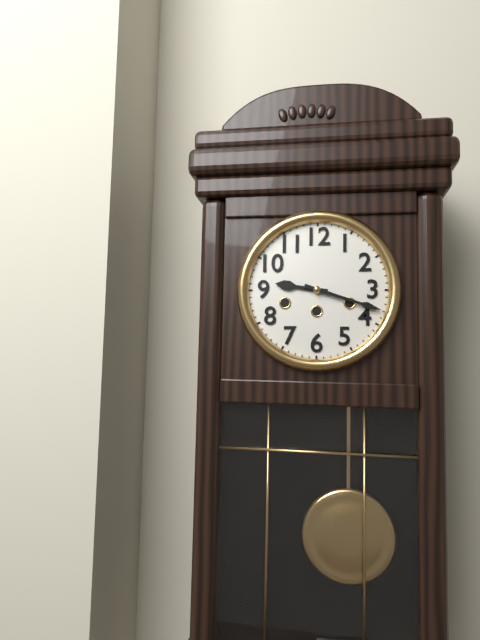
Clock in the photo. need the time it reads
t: 9:18
